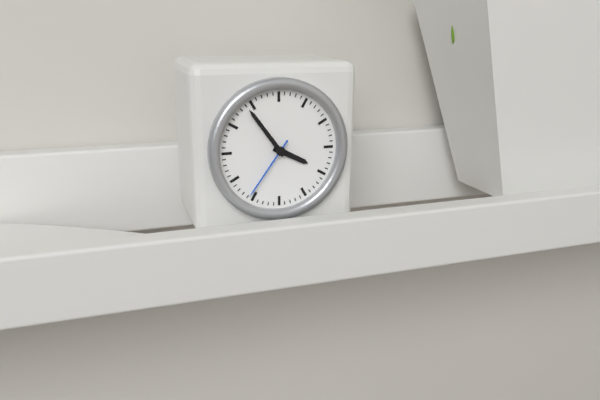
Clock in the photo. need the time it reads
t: 3:54:36
